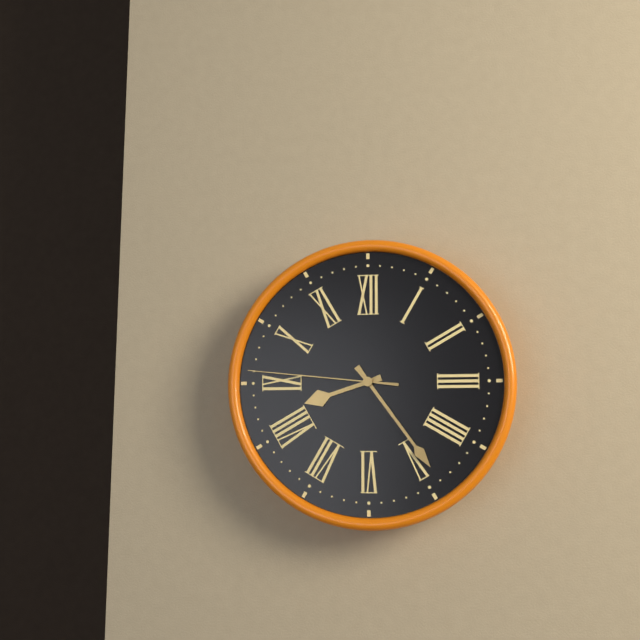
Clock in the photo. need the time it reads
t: 8:24:46
